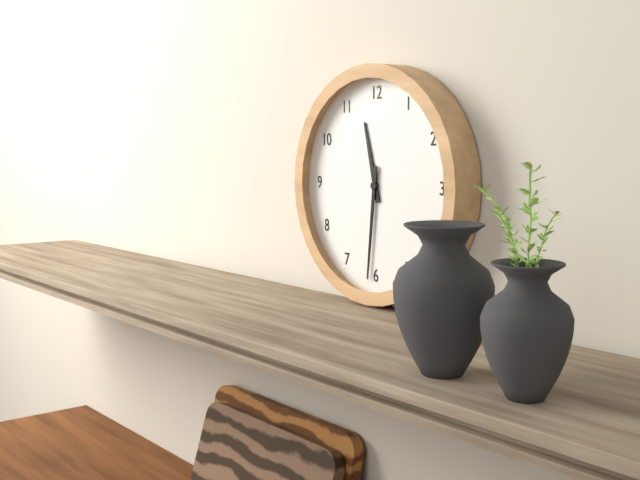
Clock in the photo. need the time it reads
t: 11:31
